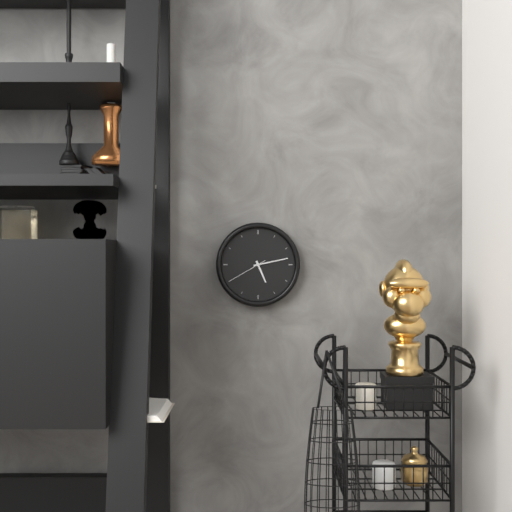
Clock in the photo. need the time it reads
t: 5:13
